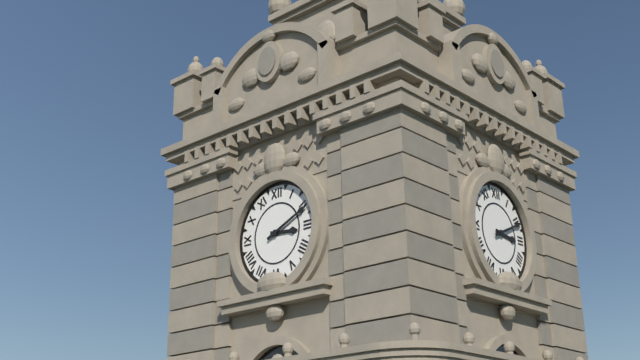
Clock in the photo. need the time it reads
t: 3:11
